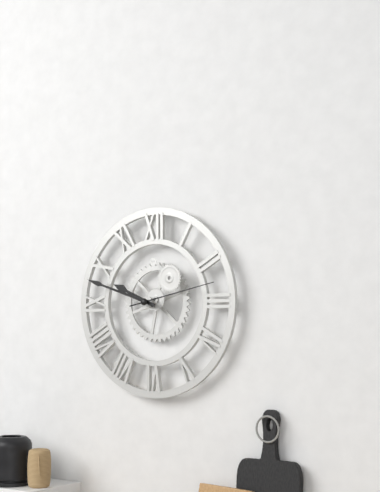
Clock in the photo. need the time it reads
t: 9:48:13
